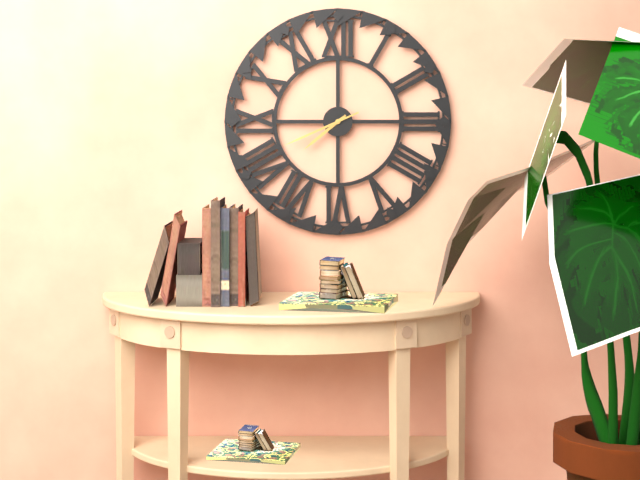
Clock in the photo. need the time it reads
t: 7:41
